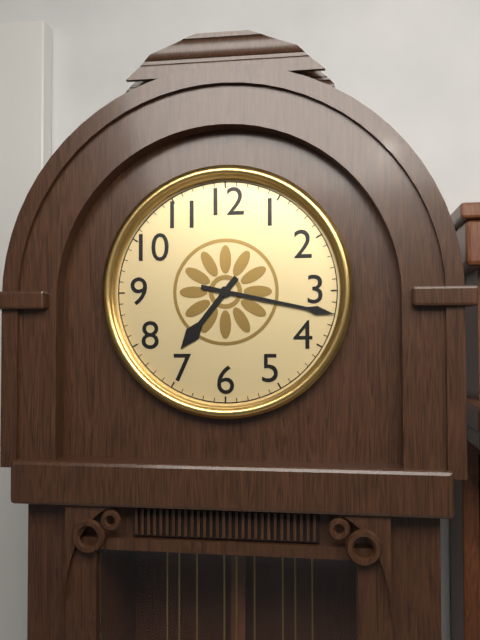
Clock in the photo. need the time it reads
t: 7:17
